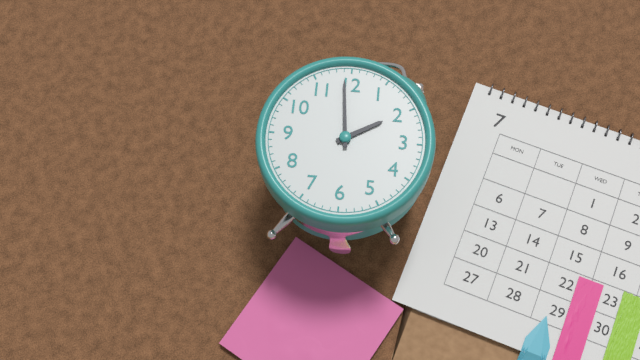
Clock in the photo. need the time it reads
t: 1:59
